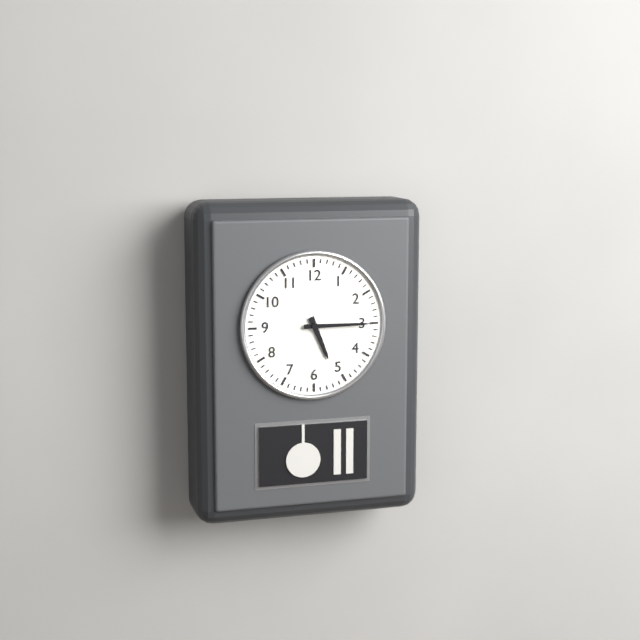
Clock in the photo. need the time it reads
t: 5:15
